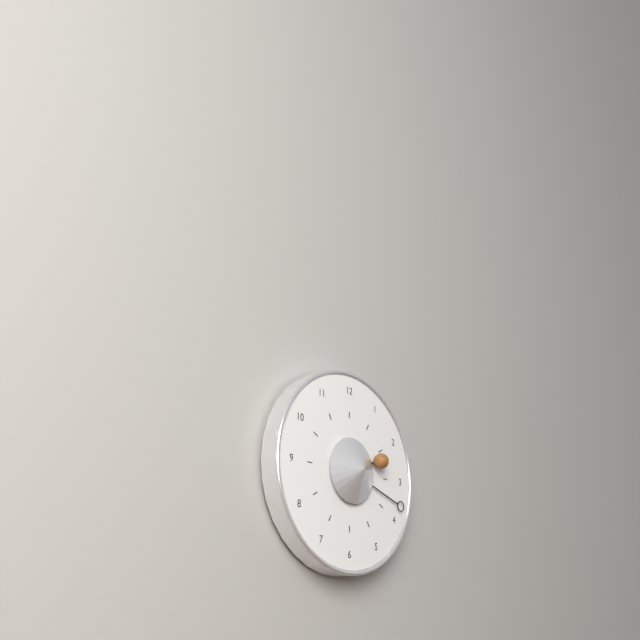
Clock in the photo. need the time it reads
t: 2:18
